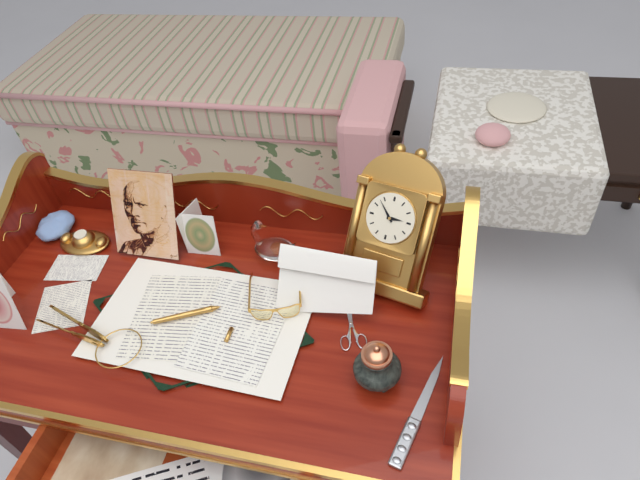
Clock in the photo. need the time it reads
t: 2:53
